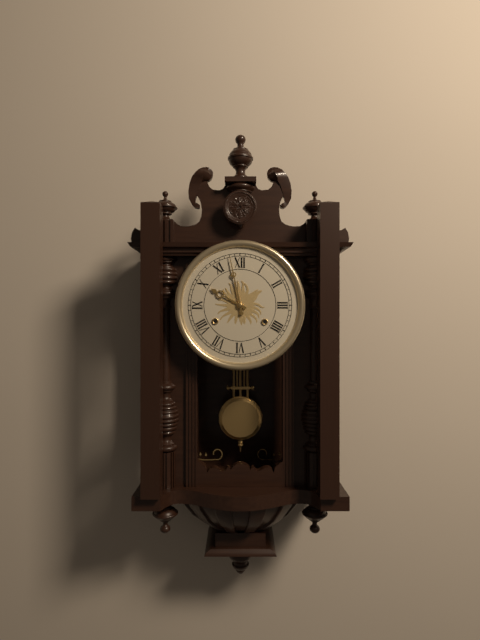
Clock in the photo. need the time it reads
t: 9:58
